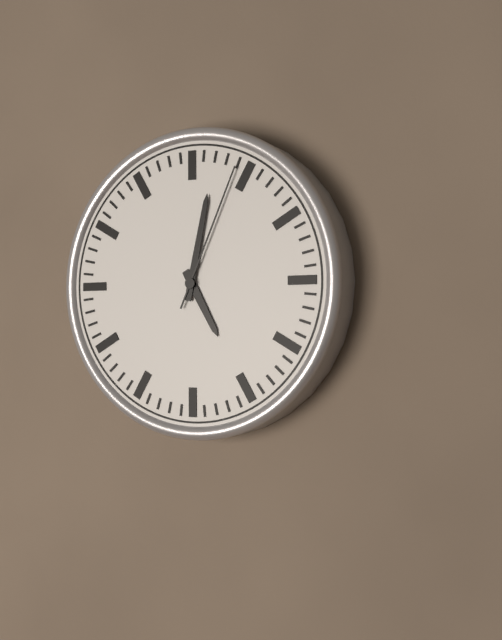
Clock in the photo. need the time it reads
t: 5:02:04
